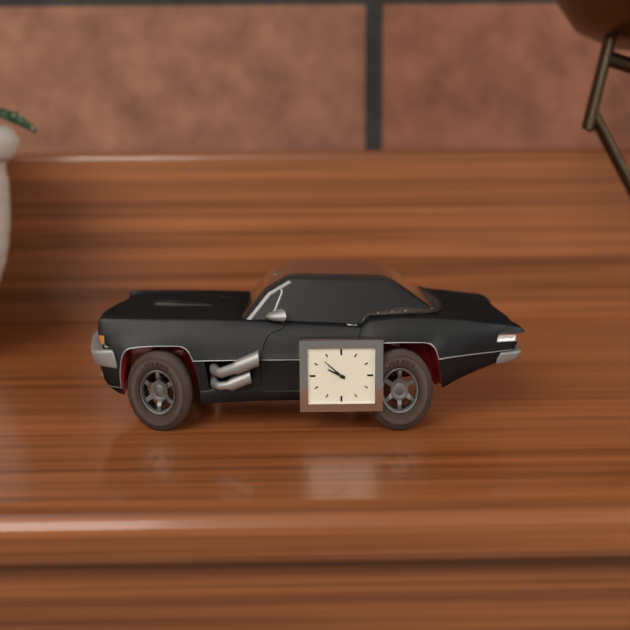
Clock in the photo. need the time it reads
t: 9:52
